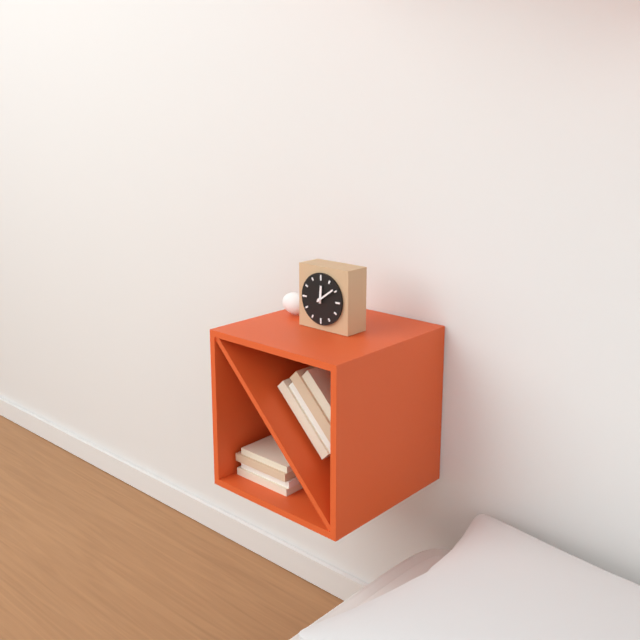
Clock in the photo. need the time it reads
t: 12:09
